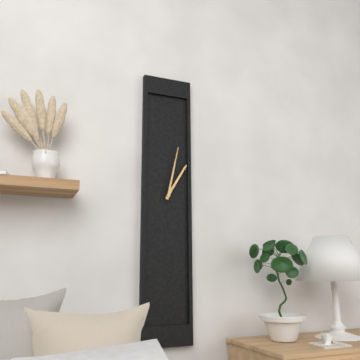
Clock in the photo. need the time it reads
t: 1:02
